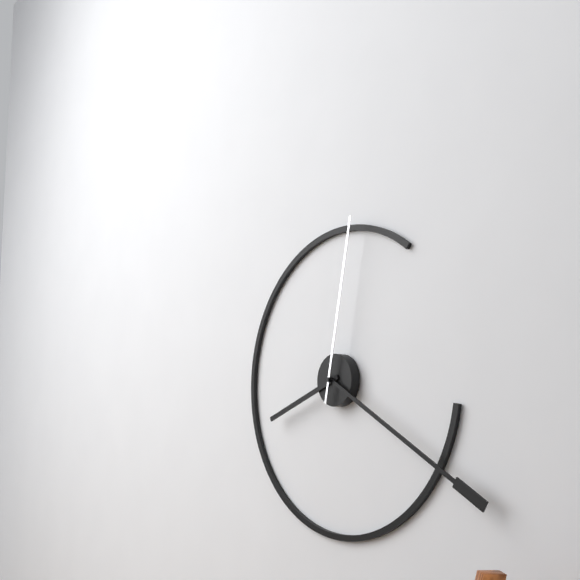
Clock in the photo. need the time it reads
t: 8:20:02
